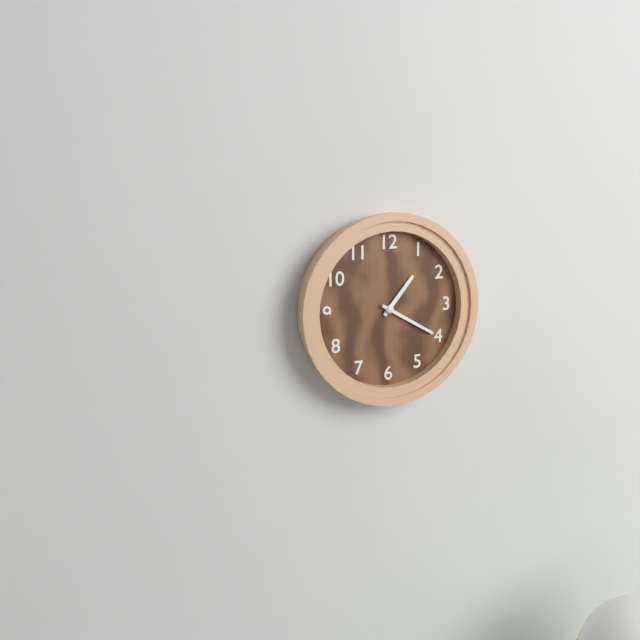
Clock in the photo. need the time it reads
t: 1:20
